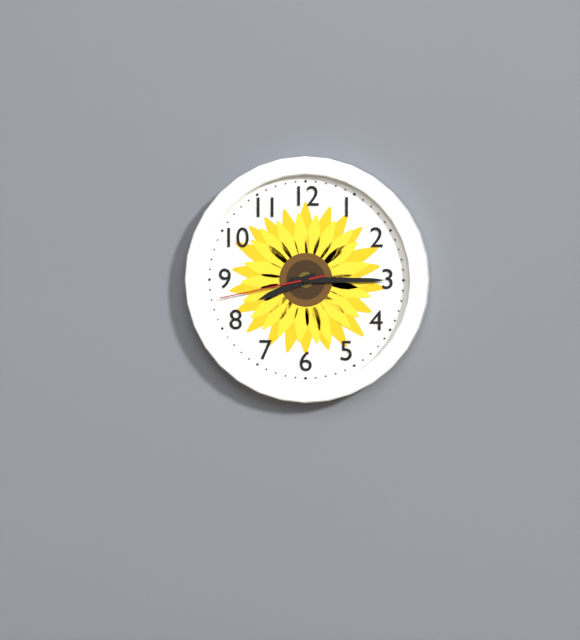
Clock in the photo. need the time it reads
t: 8:15:43
